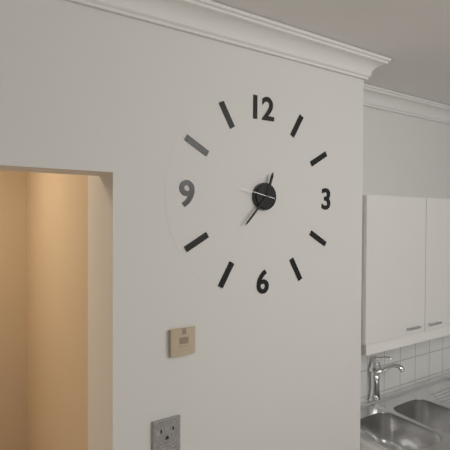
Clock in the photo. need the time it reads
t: 12:37
